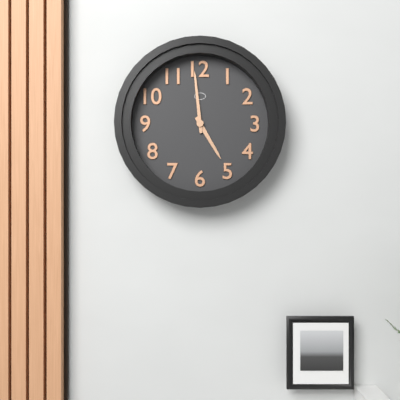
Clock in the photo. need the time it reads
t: 4:59
